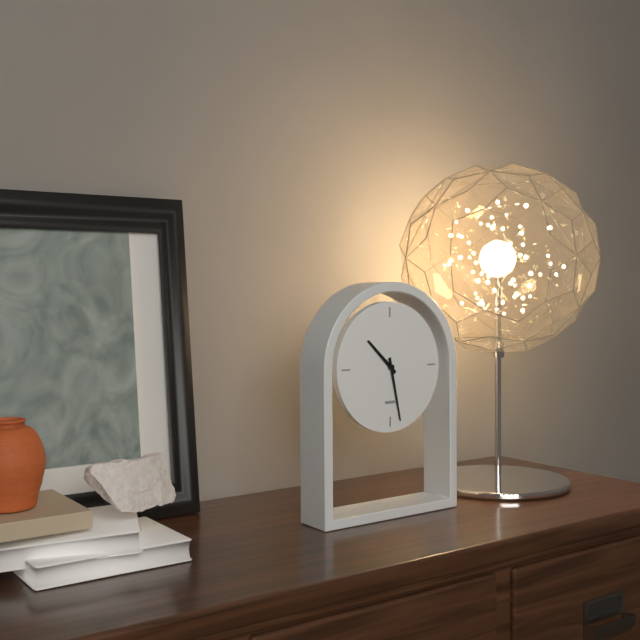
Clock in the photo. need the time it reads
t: 10:28
